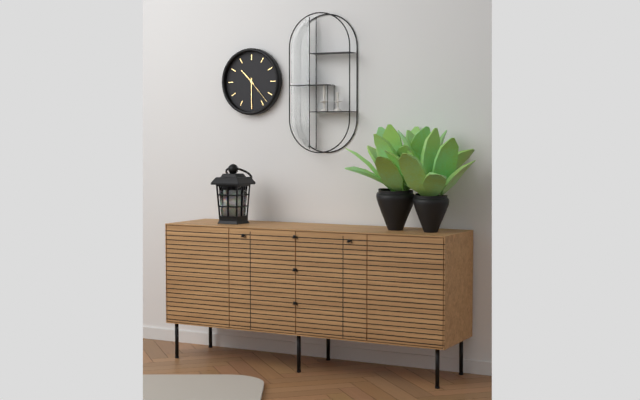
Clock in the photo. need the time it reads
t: 10:30
